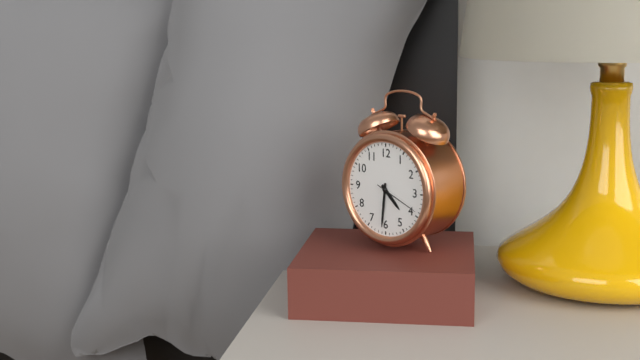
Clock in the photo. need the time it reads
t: 4:31
